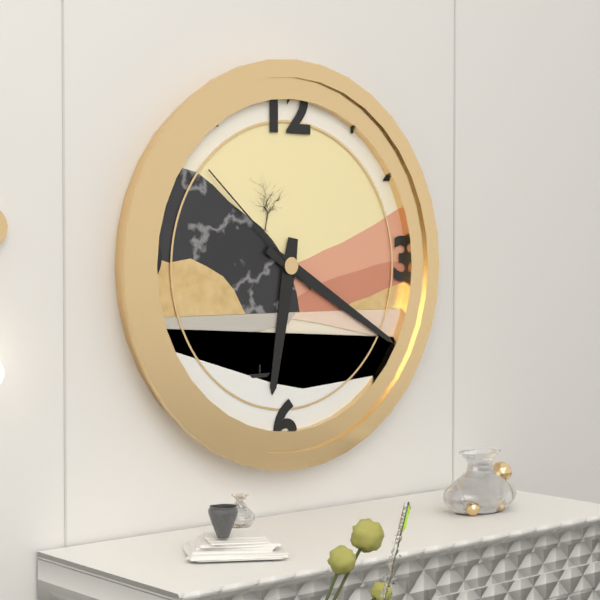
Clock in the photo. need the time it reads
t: 6:20:52
